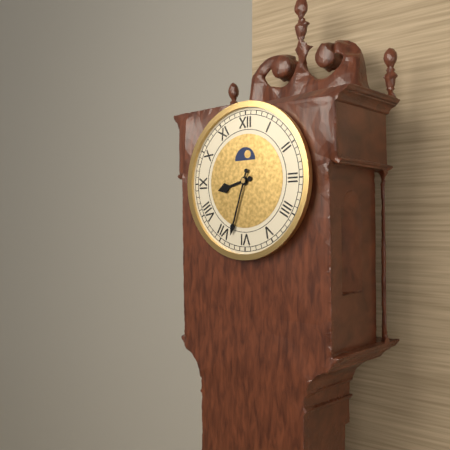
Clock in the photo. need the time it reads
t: 8:33
